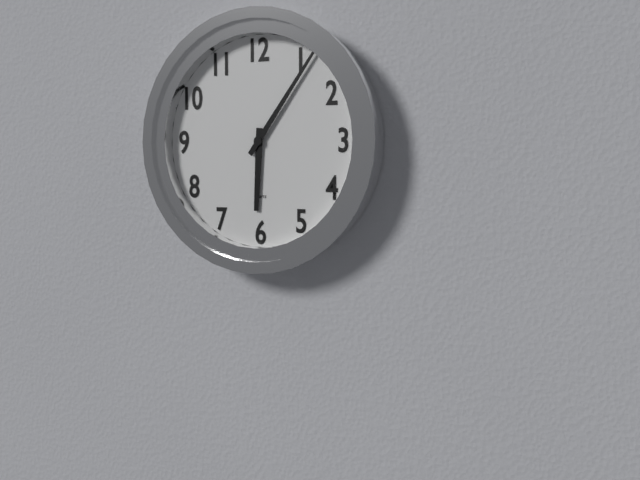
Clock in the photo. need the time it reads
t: 6:06
